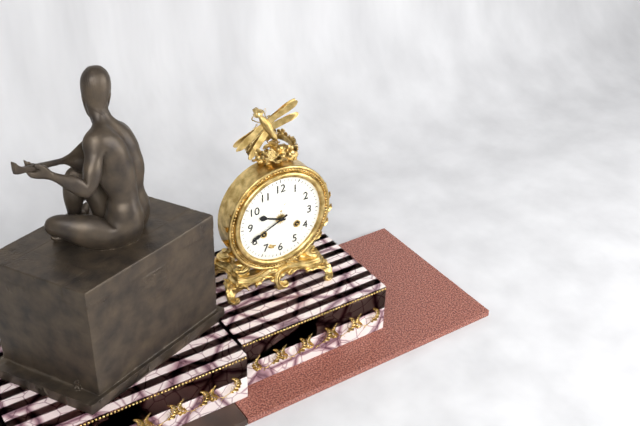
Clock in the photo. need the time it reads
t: 9:41
